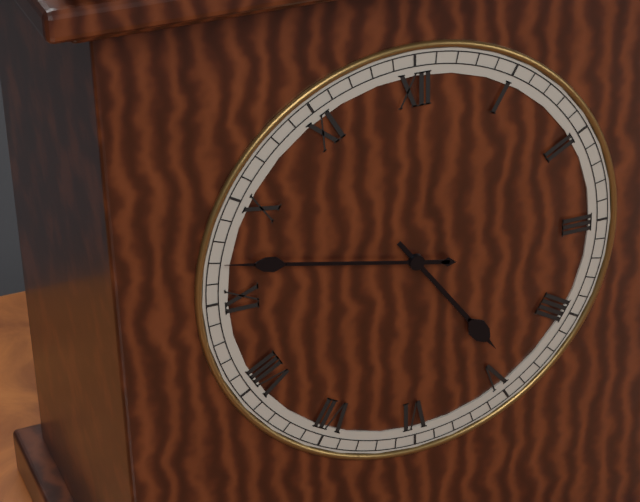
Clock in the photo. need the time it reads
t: 4:47
